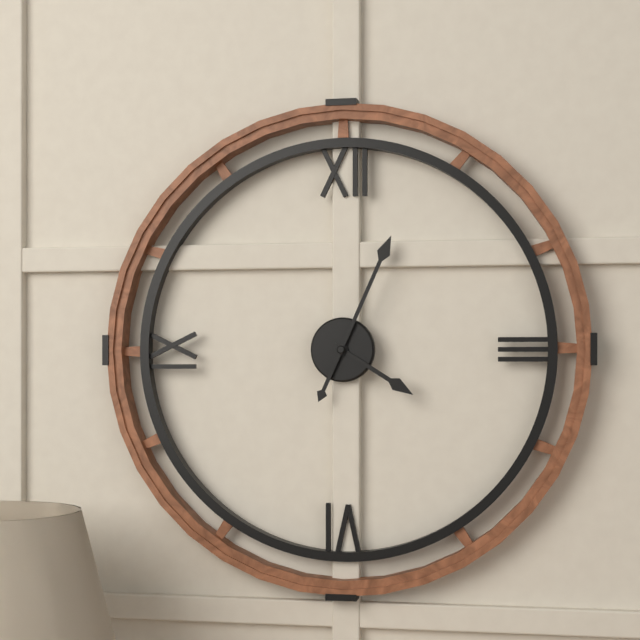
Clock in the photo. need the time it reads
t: 4:04
